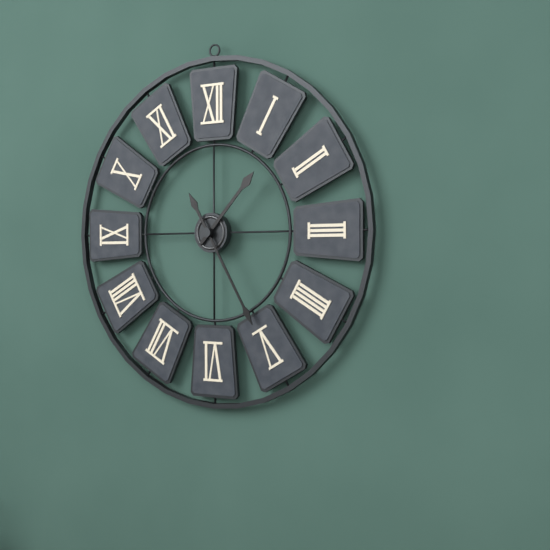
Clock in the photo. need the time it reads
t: 1:25
